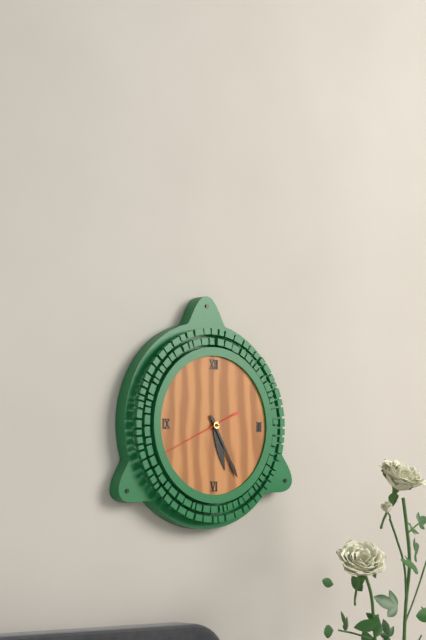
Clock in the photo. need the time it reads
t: 5:25:41
